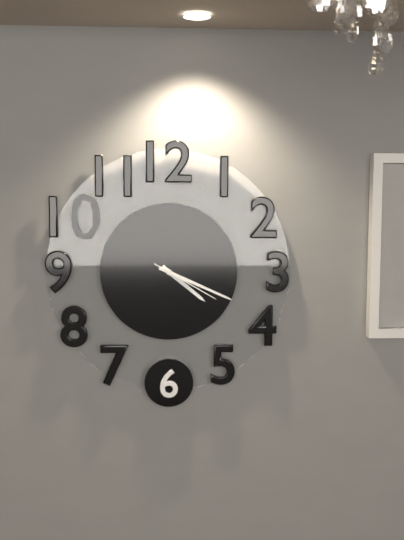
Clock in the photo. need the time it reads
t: 4:19:20
